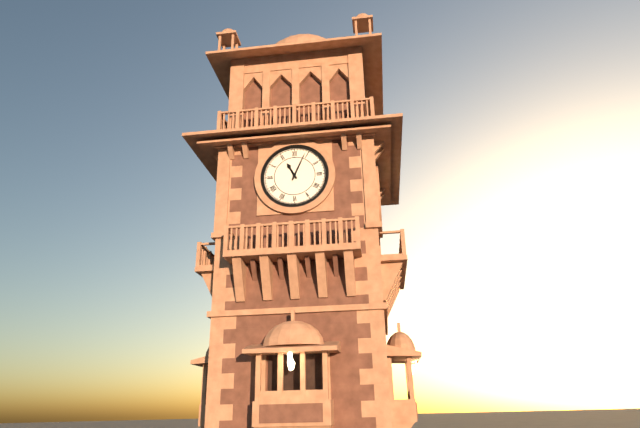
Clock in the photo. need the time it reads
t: 11:04
